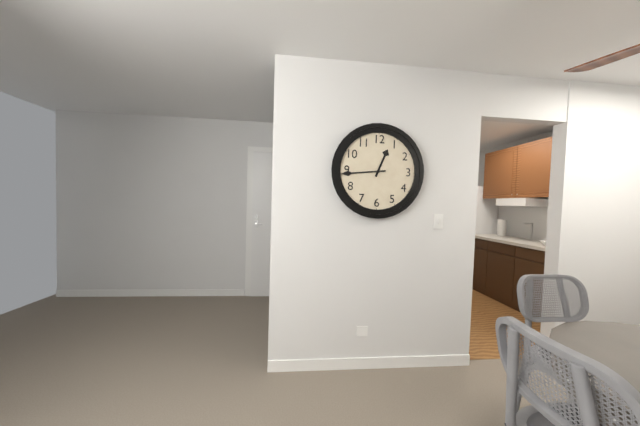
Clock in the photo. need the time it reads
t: 12:44
